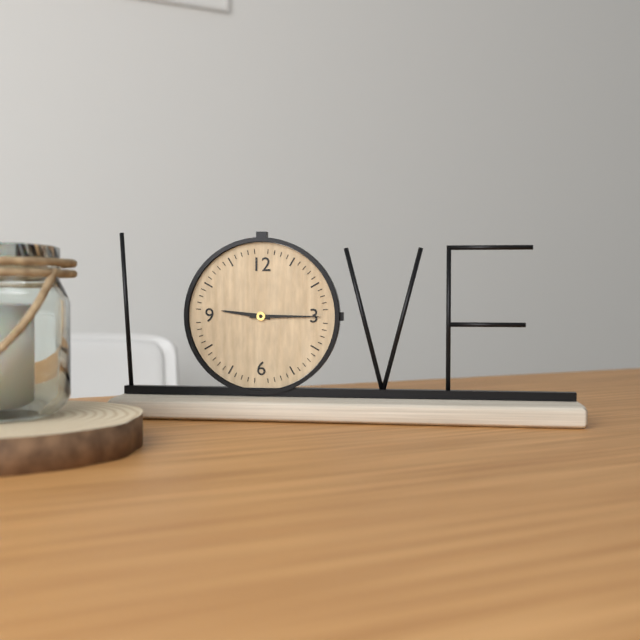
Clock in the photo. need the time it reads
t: 9:15
